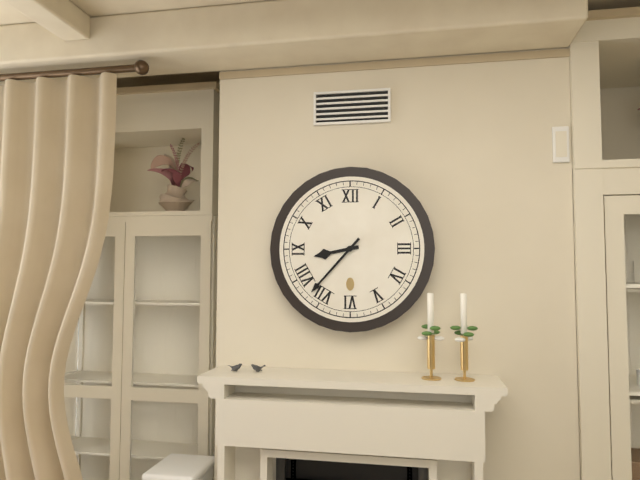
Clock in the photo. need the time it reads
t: 8:37
